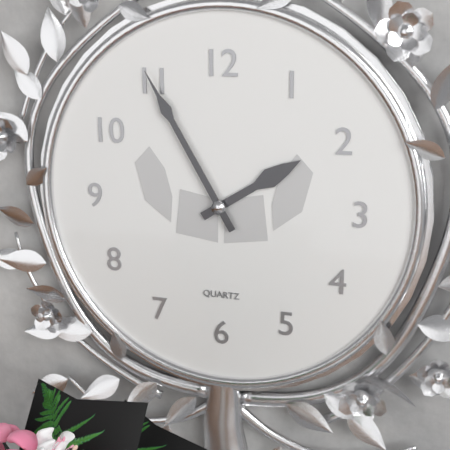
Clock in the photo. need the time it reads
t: 1:55
